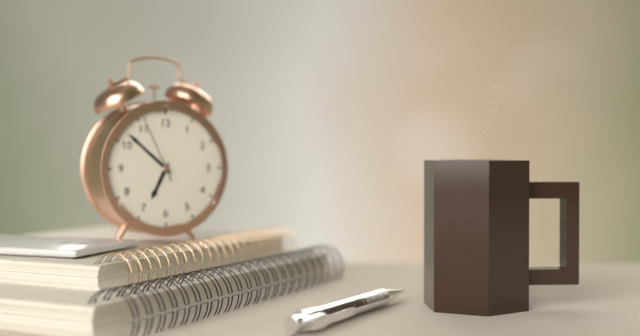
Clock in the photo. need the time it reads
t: 6:52:56
